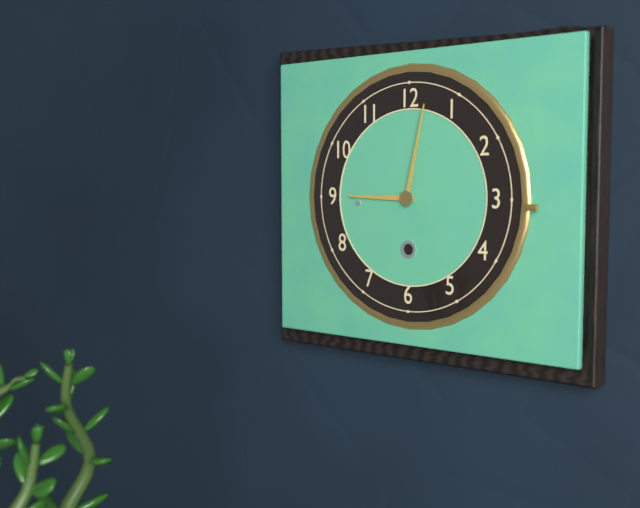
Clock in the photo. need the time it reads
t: 9:02
